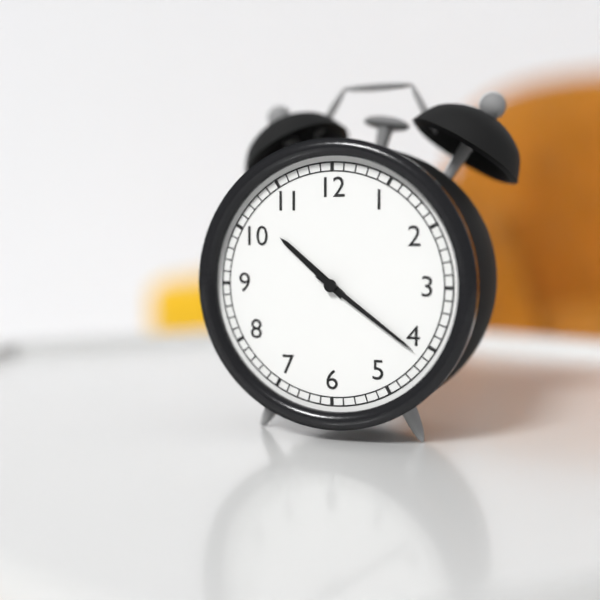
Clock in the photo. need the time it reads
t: 10:21
